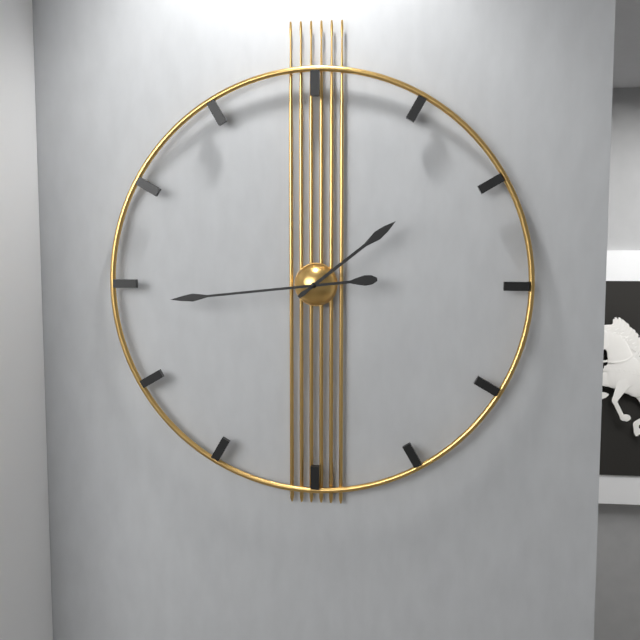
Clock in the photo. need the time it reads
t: 1:44
